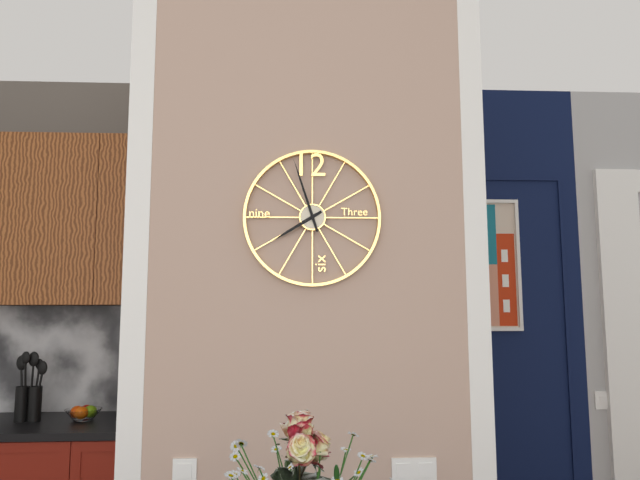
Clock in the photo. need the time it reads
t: 7:57
